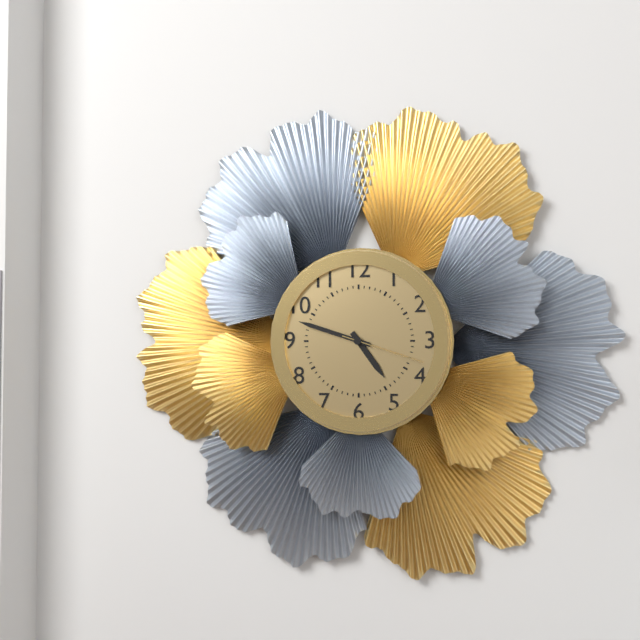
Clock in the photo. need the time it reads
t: 4:48:18
